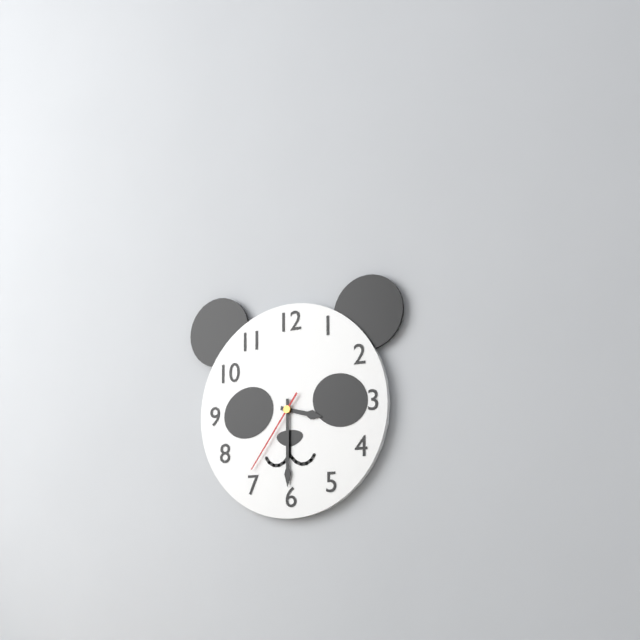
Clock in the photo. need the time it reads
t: 3:30:36
